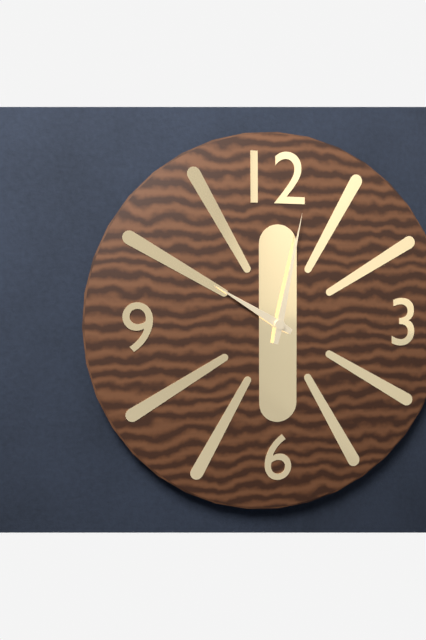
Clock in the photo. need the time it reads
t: 10:02
